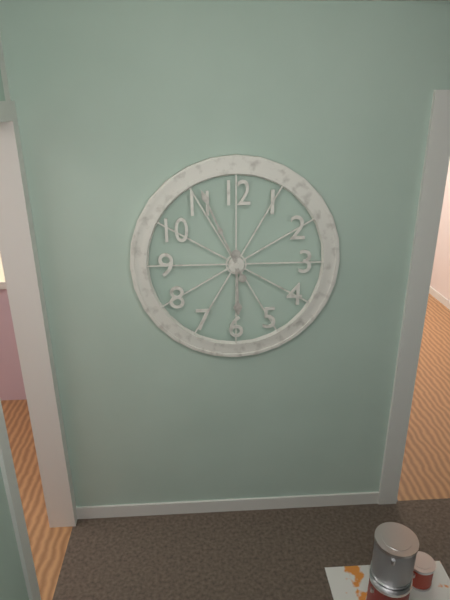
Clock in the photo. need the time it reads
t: 5:56
